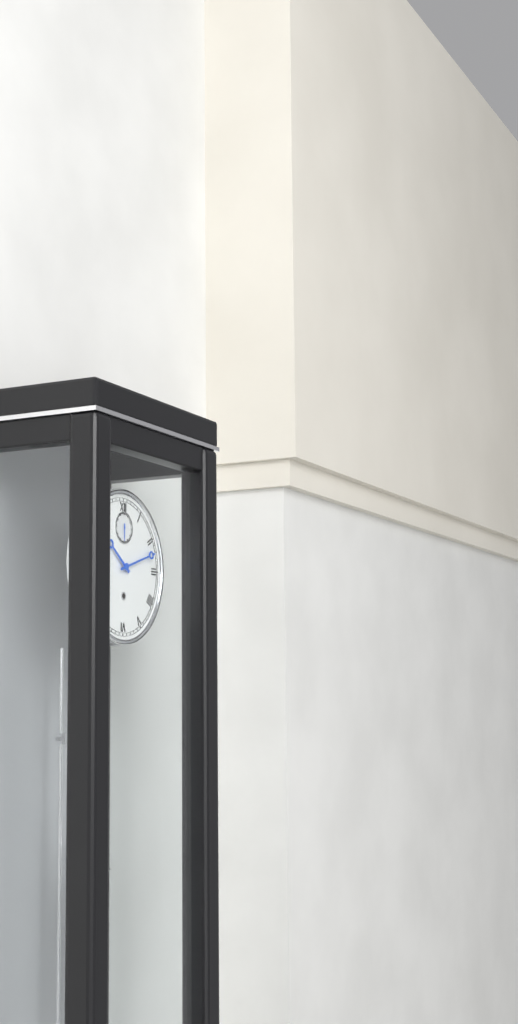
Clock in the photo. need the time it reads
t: 10:12
